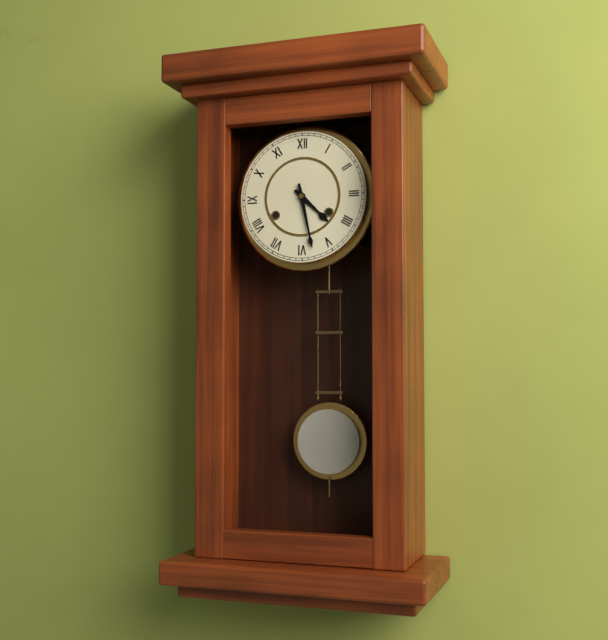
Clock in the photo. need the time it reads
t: 4:28
